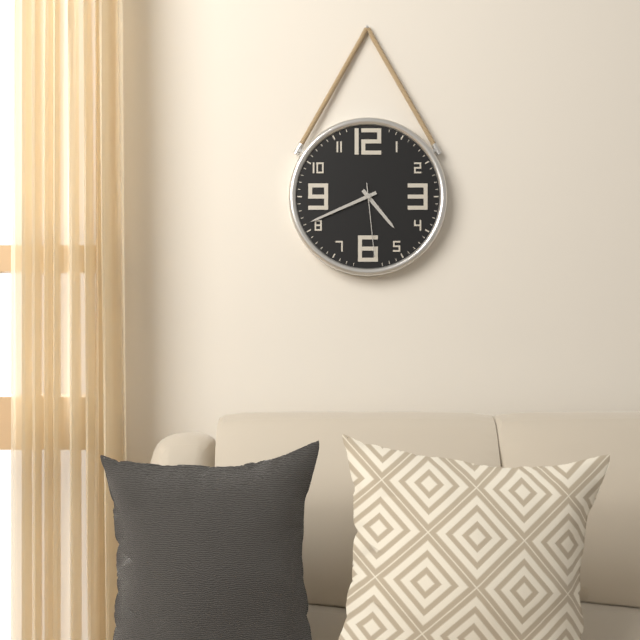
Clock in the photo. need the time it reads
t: 4:41:29
